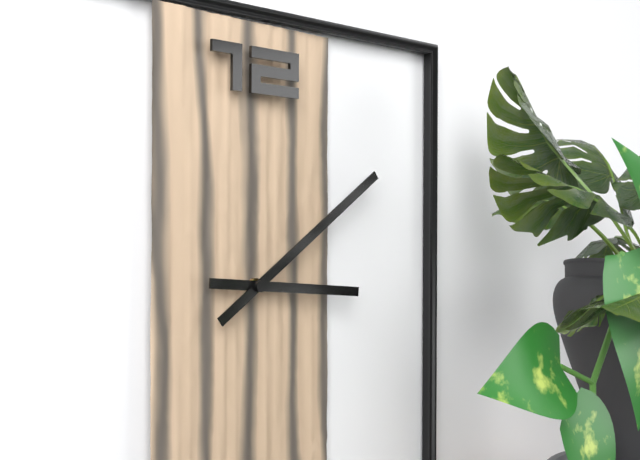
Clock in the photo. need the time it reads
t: 3:09
